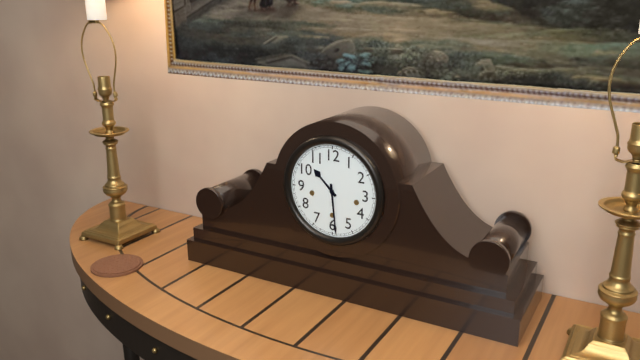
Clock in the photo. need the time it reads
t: 10:29
